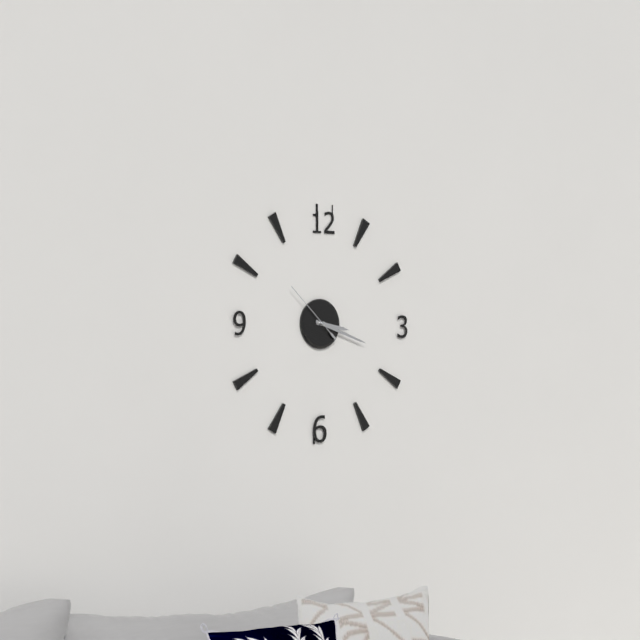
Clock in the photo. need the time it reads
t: 3:18:52
